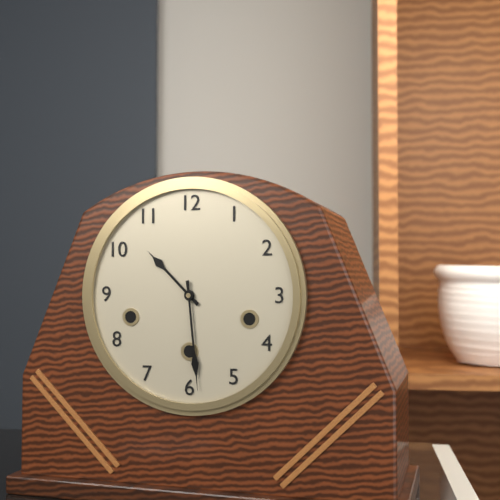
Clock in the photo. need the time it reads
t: 10:29
